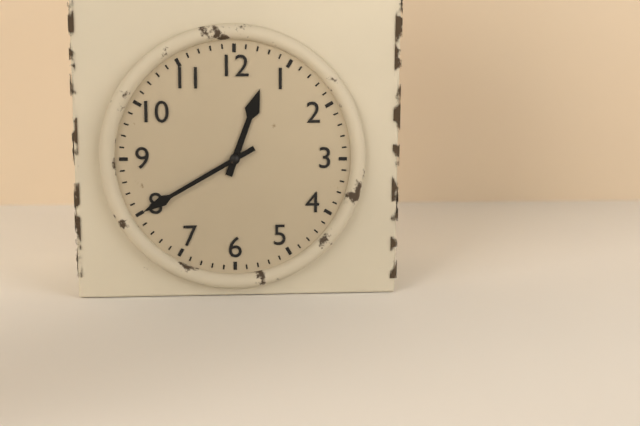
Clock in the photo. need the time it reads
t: 12:40
